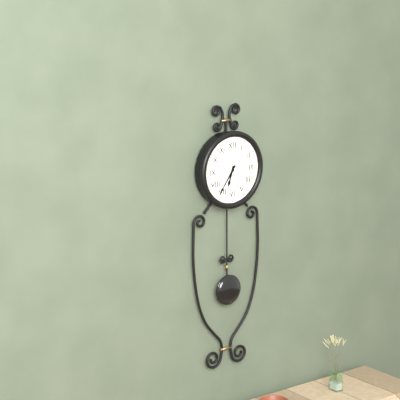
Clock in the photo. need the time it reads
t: 6:36
